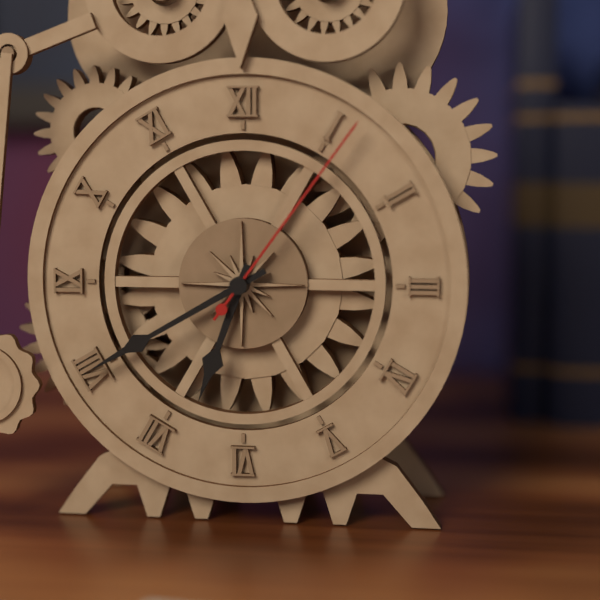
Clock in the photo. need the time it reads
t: 6:40:06
